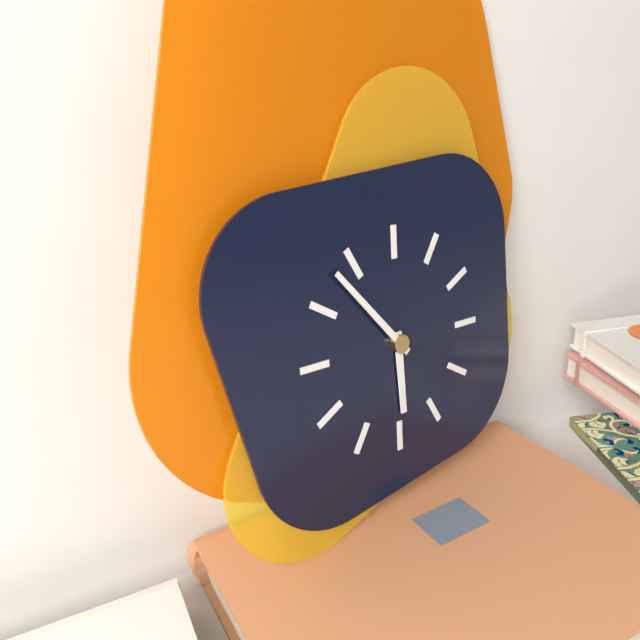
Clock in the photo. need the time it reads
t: 5:53
